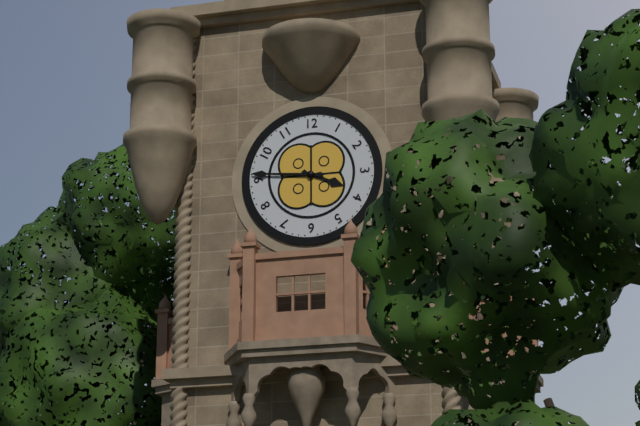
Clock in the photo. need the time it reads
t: 3:46
